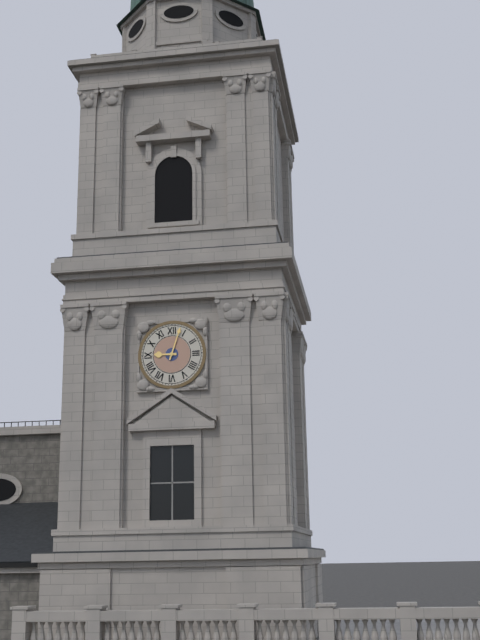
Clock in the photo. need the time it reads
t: 9:03
